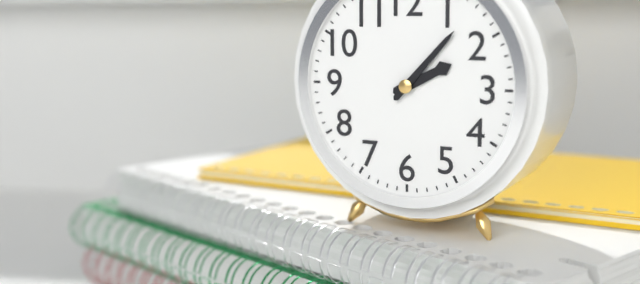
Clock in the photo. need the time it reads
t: 2:07
